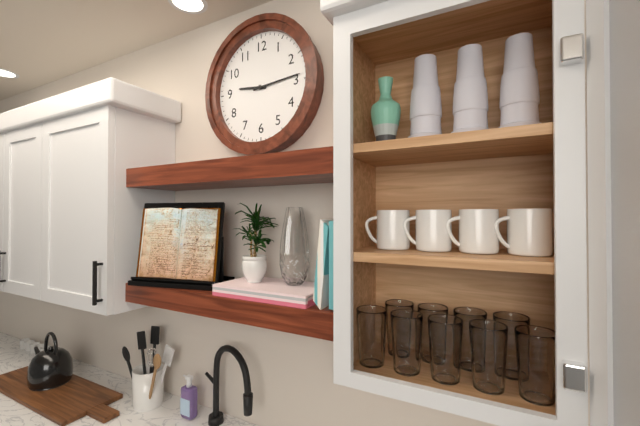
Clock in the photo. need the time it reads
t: 9:14
